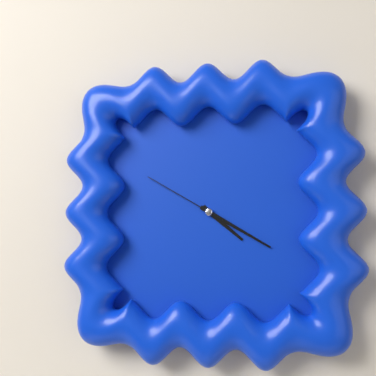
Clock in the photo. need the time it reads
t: 4:20:50
